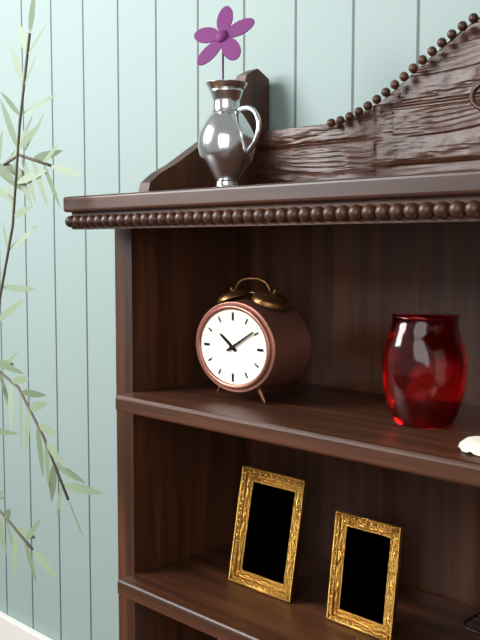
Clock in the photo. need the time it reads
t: 10:10
